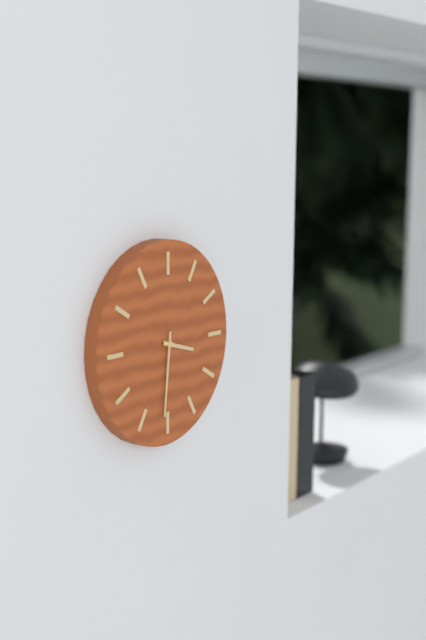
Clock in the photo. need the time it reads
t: 3:31
